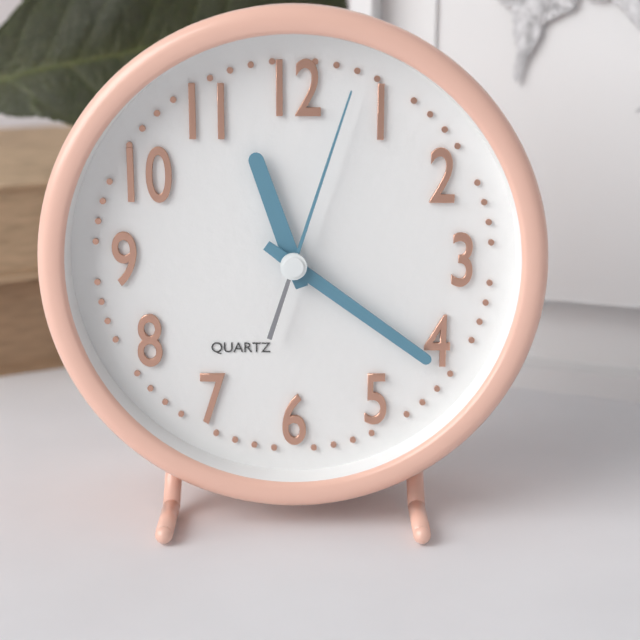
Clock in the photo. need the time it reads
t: 11:21:03
